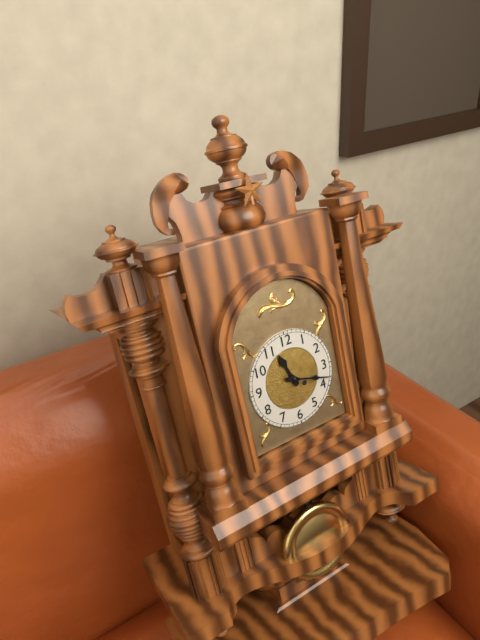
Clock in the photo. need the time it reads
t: 11:18
